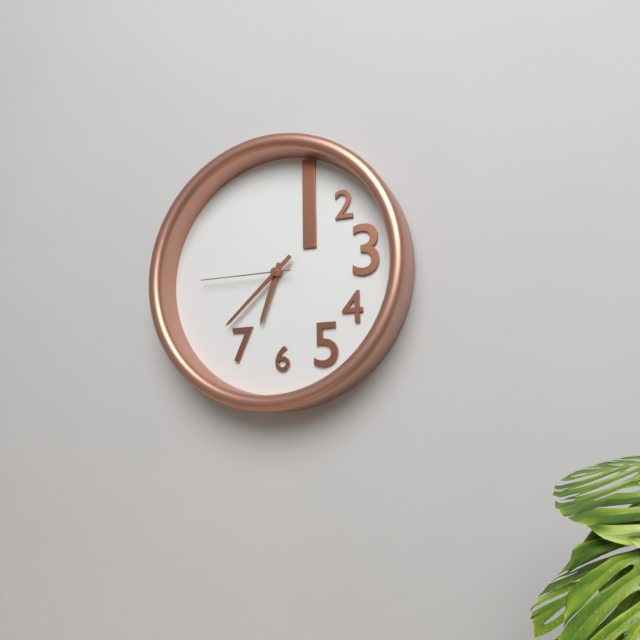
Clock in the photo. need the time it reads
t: 6:38:45
